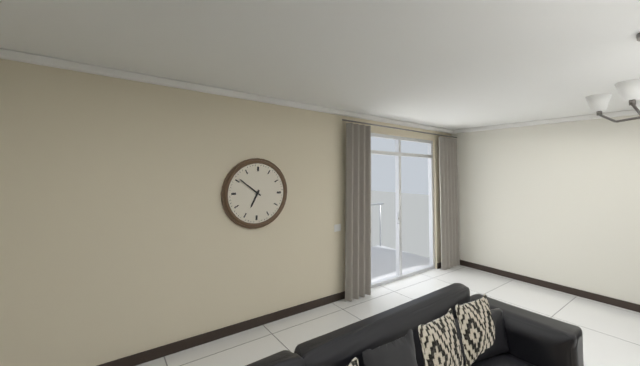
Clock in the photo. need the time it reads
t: 6:51
